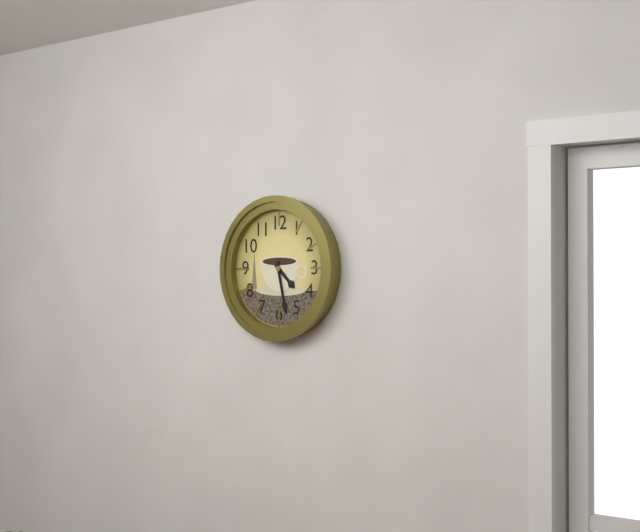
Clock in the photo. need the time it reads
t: 4:28
